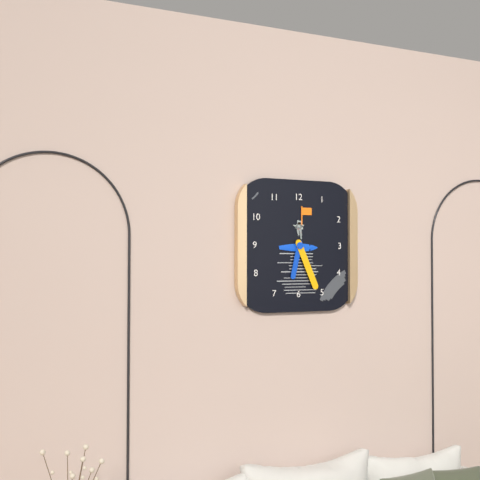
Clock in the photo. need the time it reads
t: 6:26
